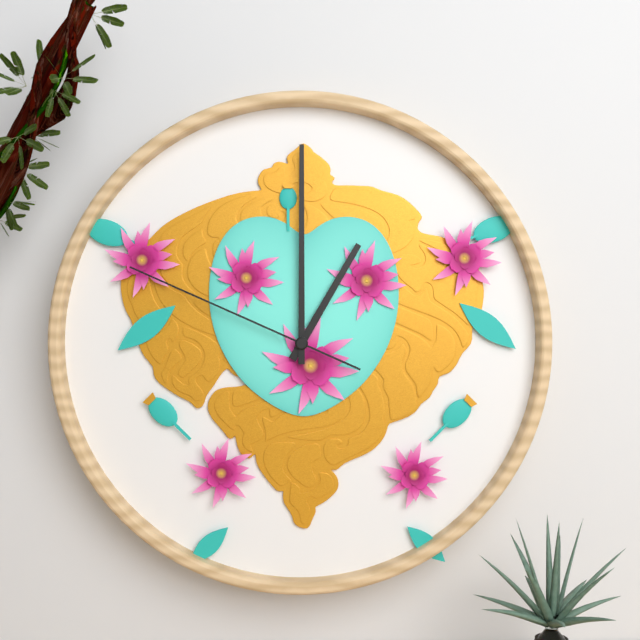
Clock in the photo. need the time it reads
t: 1:00:49
